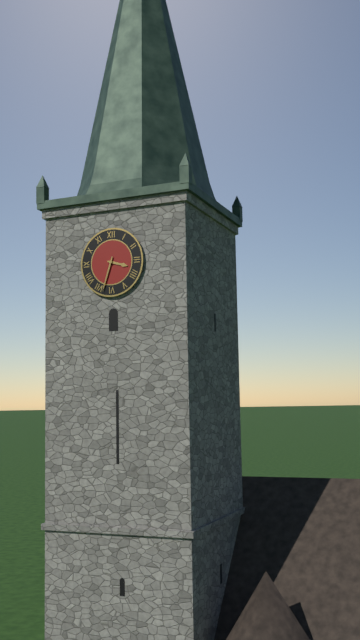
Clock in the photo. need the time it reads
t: 3:33
